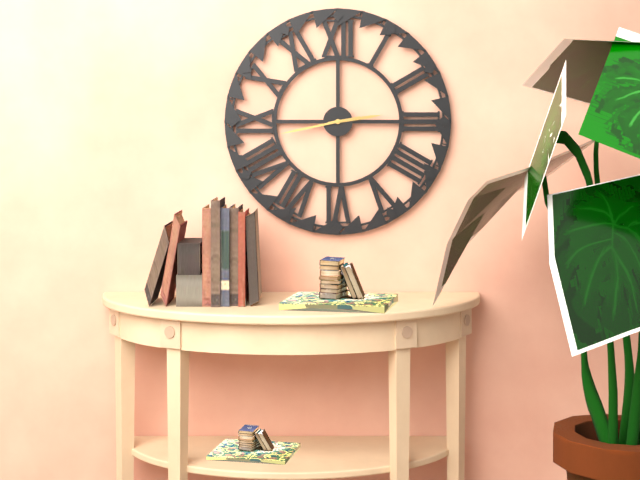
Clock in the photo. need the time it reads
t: 2:43
